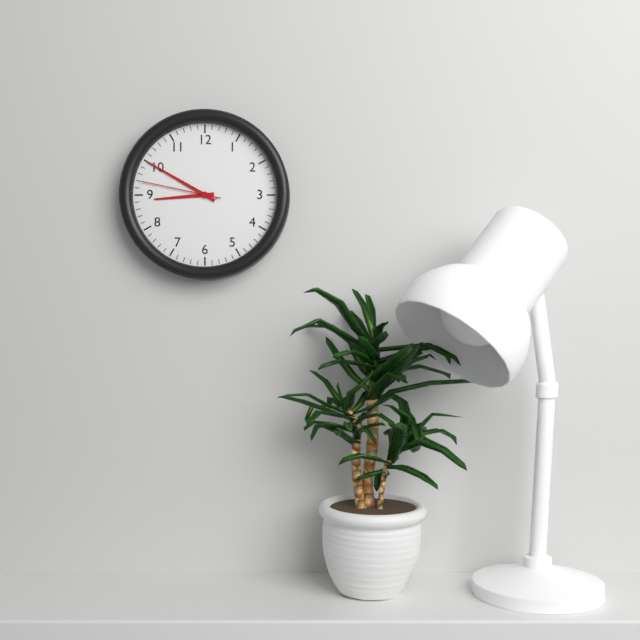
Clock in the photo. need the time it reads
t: 8:50:47
